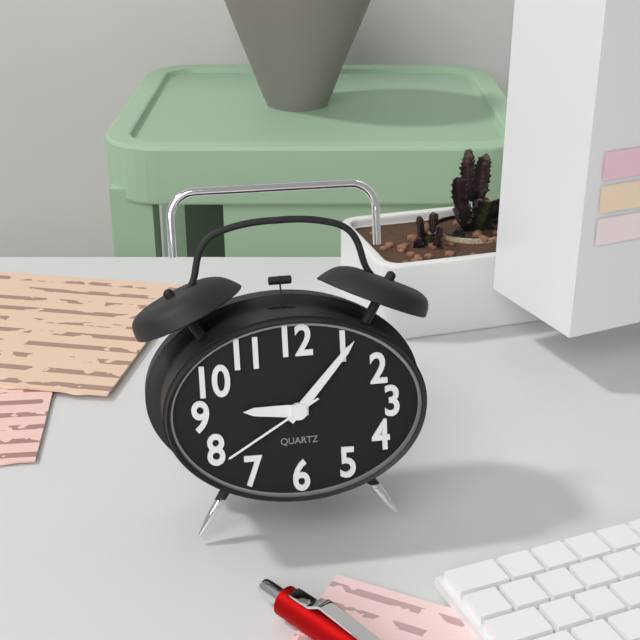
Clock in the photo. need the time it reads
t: 9:07:40
